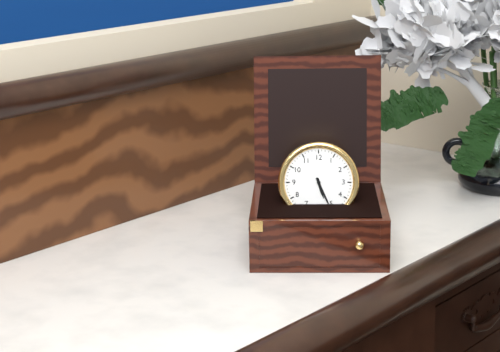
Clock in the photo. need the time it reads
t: 5:26
